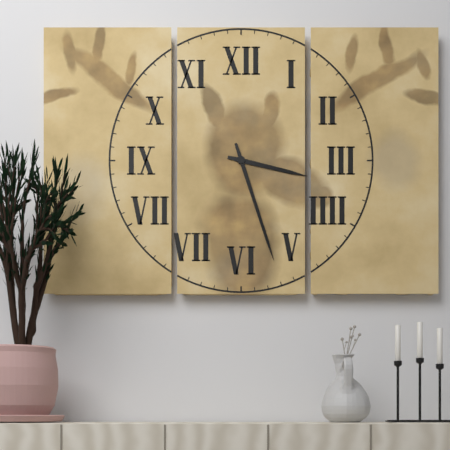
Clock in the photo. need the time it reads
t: 3:27
